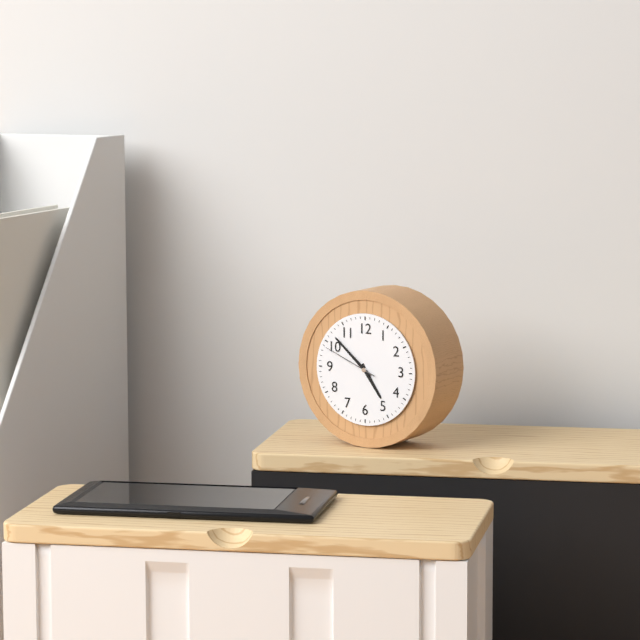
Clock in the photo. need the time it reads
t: 4:52:49
